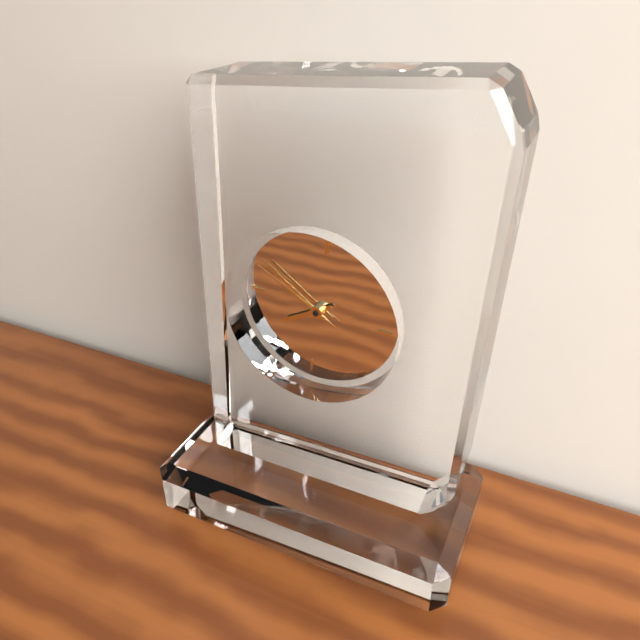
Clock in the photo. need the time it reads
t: 7:50:49
